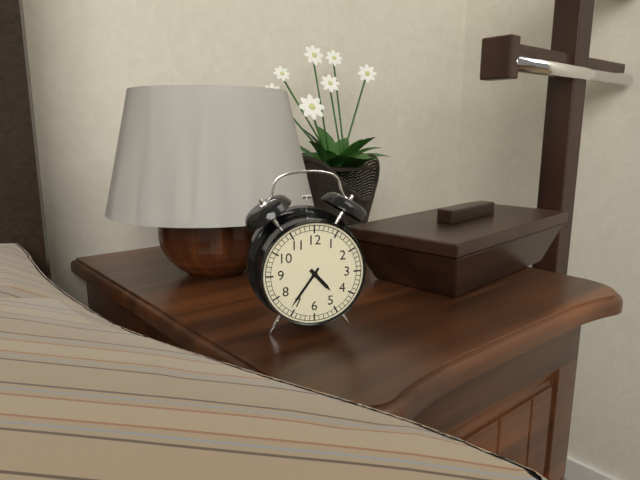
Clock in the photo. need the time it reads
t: 4:36
